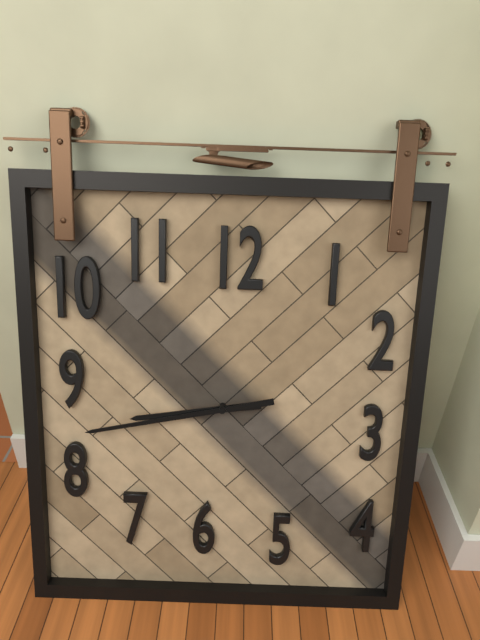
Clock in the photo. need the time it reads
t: 8:43
